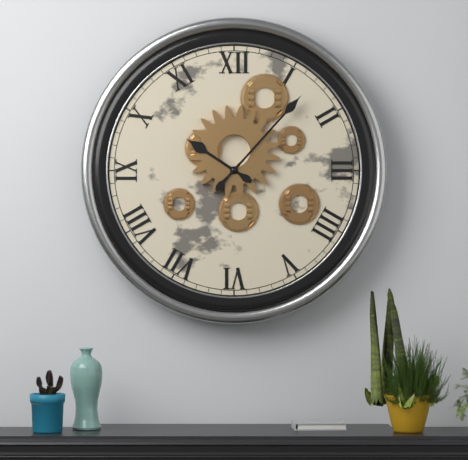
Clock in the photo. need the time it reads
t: 10:07
